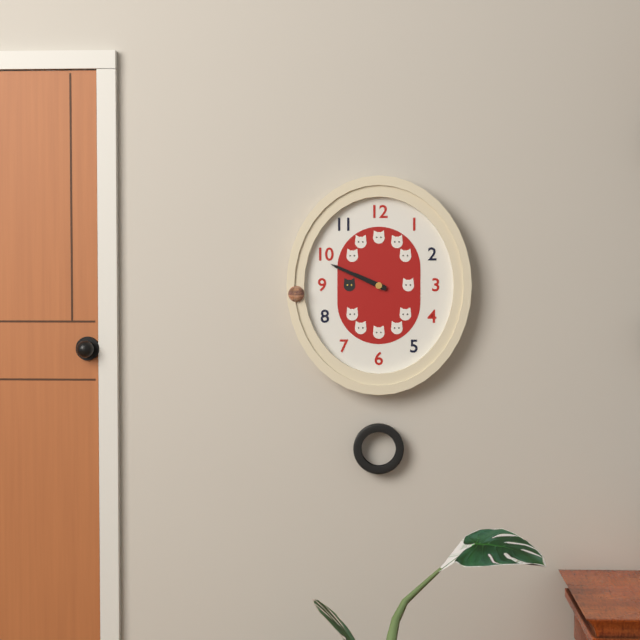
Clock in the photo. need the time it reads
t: 9:49
